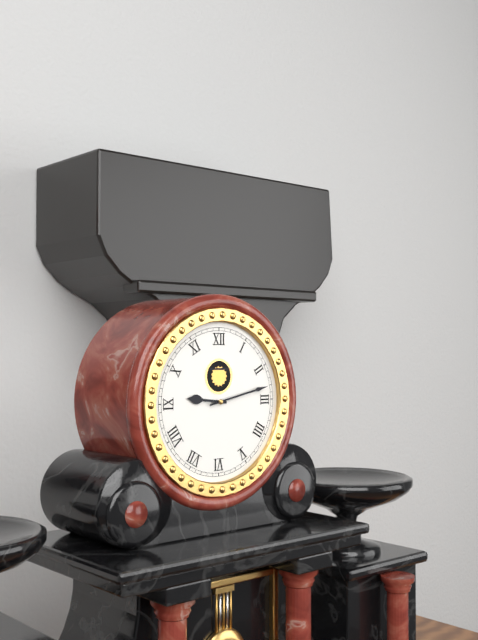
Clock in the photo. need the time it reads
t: 9:13
